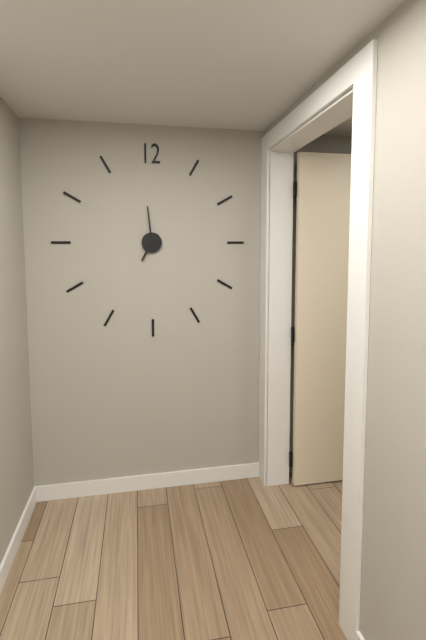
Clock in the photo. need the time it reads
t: 6:59
